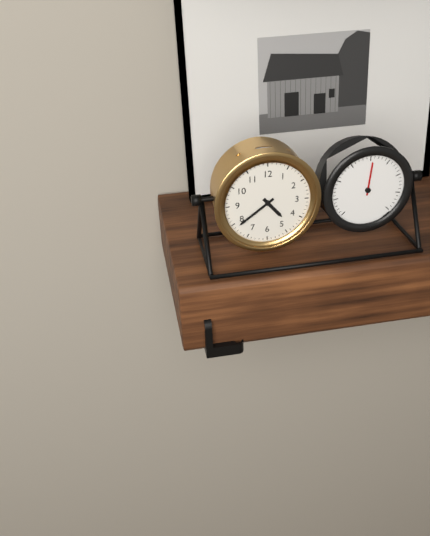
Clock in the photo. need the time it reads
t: 4:39
